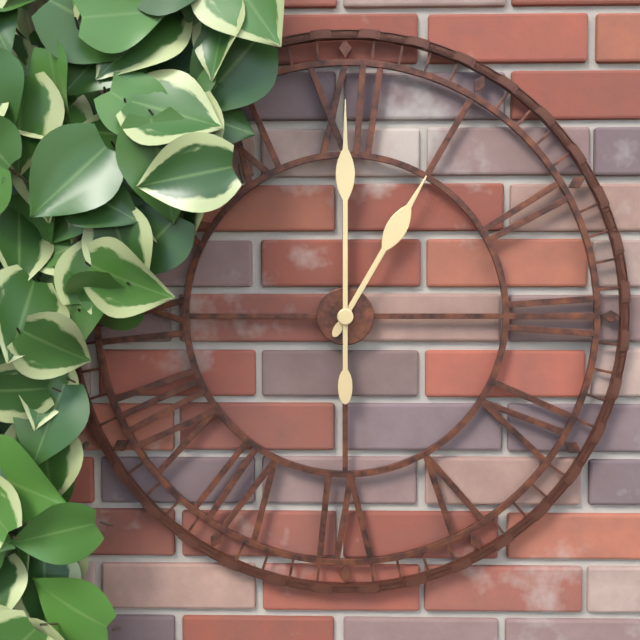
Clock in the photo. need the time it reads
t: 1:00
